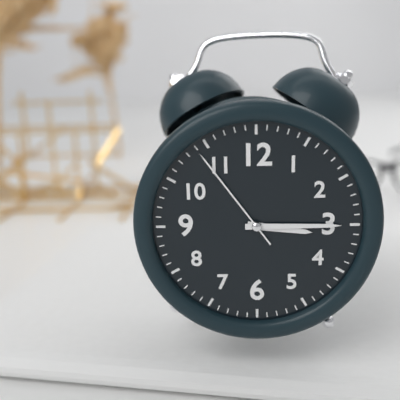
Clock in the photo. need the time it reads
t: 3:15:54
